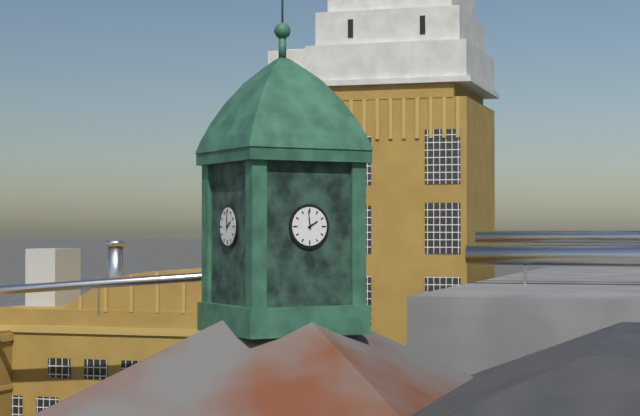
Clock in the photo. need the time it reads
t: 1:59
